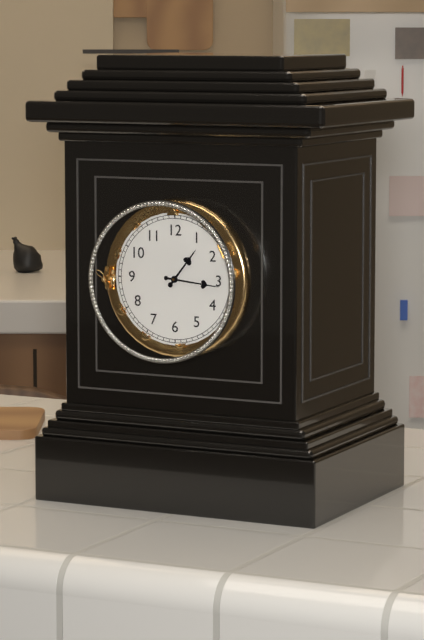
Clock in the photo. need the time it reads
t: 1:16
